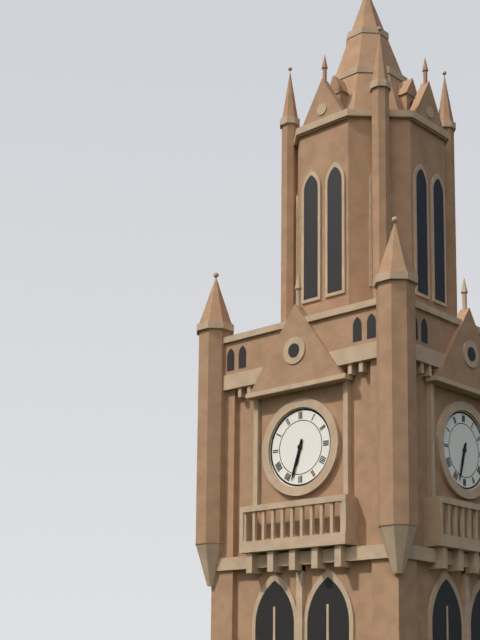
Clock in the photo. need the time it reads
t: 6:33
